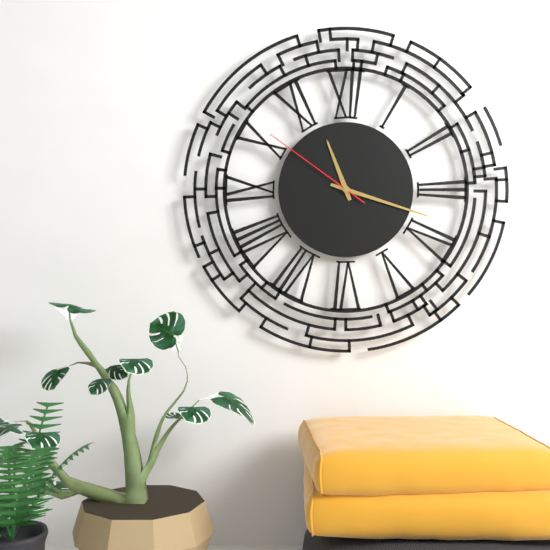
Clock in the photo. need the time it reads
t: 11:18:51
